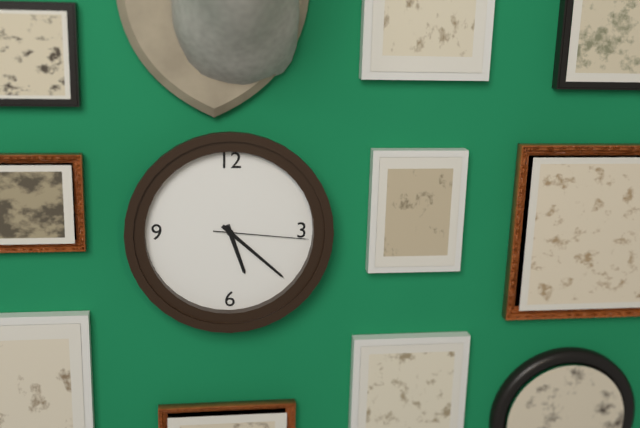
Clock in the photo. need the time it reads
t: 5:22:16
